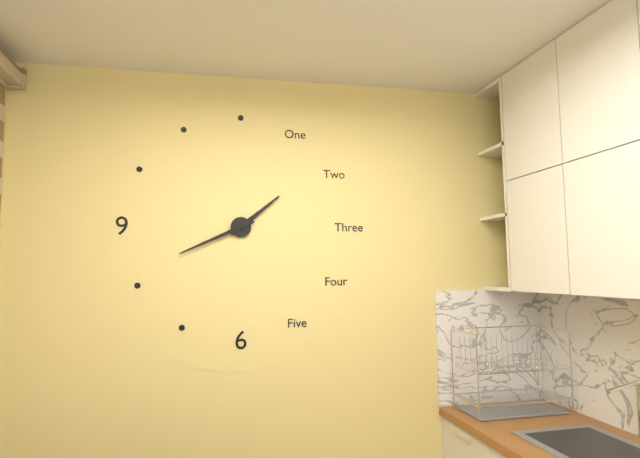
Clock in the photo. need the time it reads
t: 1:41
